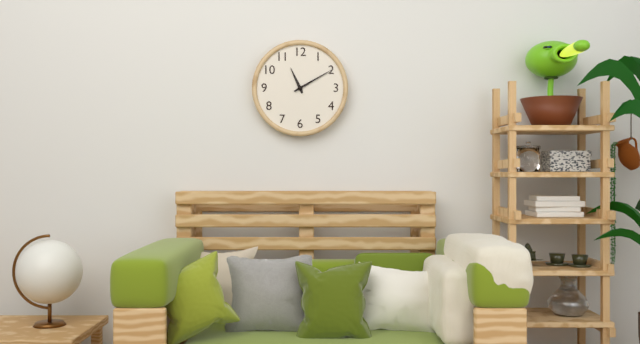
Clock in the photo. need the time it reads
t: 11:10
